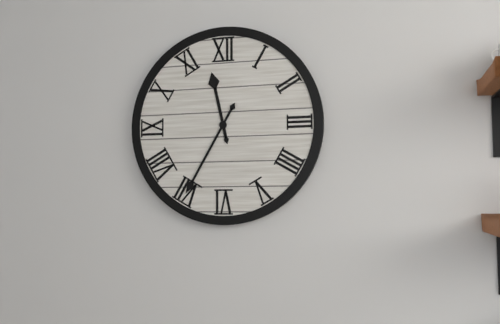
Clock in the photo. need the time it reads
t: 11:35
